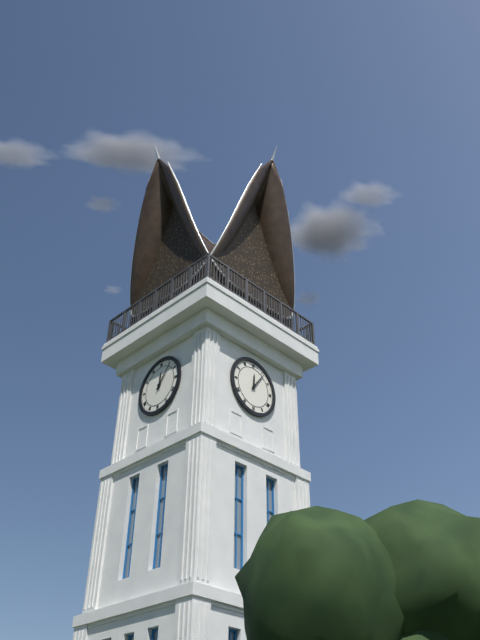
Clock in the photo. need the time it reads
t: 12:06
